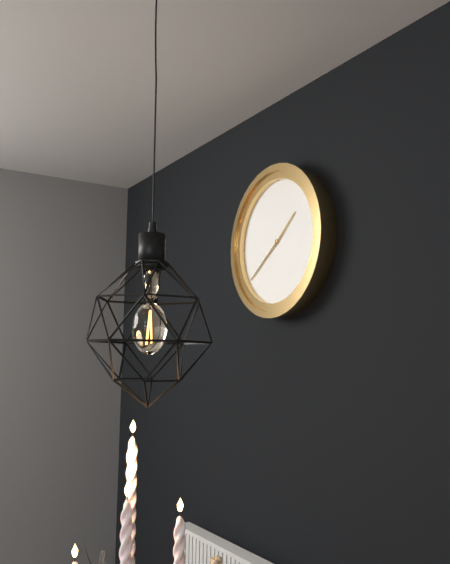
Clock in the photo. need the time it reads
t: 1:39
